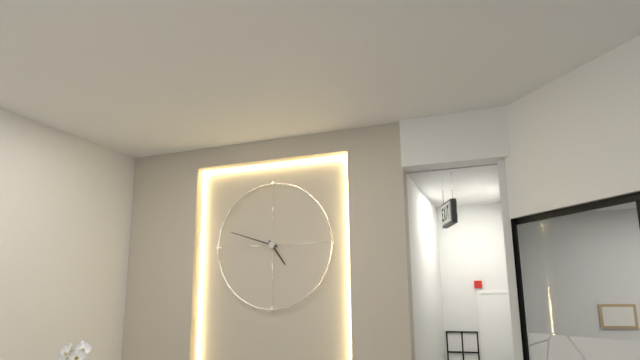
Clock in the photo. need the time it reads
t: 4:48
